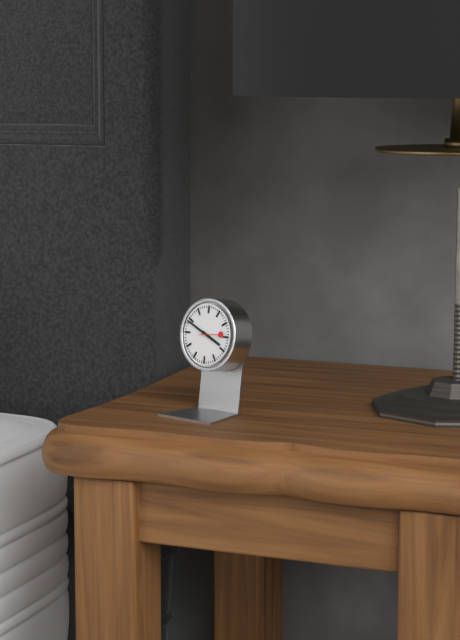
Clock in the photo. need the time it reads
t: 3:49
